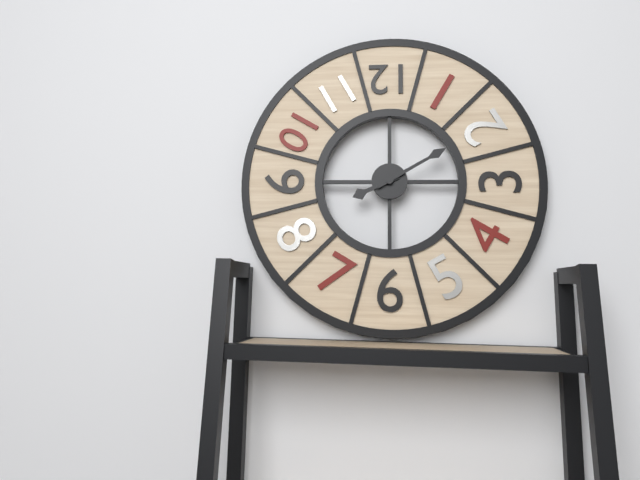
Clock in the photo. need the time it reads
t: 8:10
